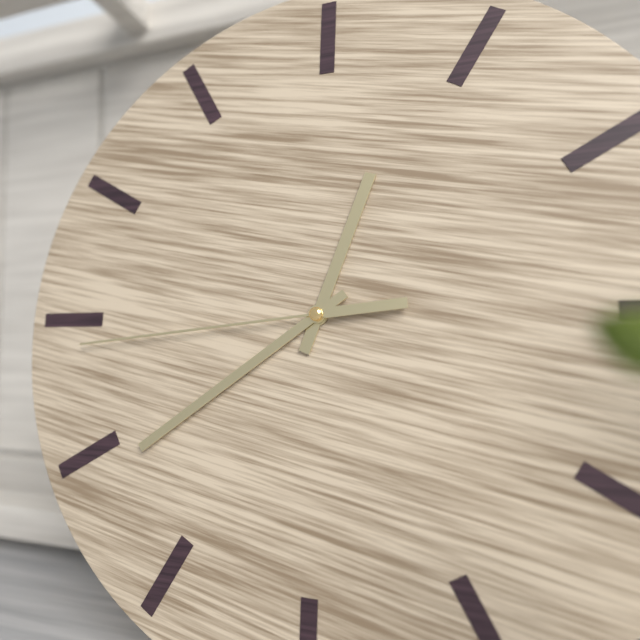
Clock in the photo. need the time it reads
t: 12:39:44
